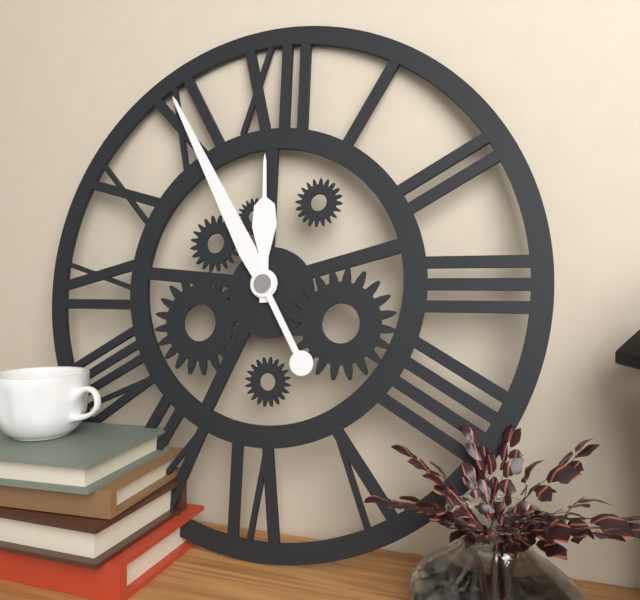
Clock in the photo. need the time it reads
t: 11:55
